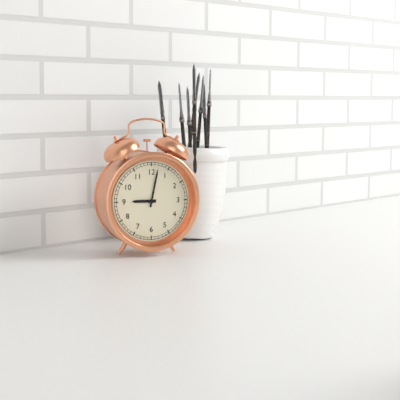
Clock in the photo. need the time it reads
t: 9:02
